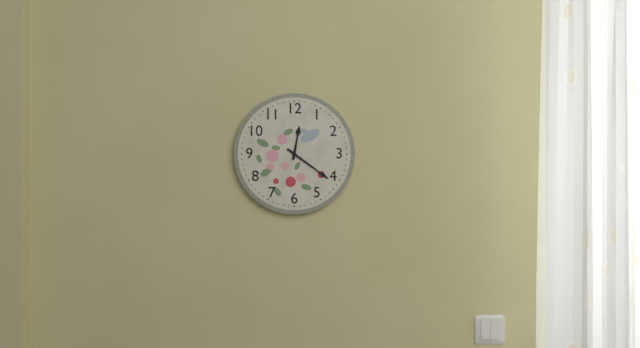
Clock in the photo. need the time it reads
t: 12:21
